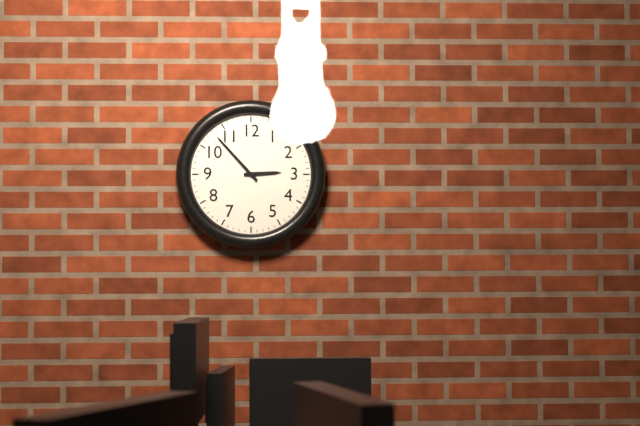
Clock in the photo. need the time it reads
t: 2:53
